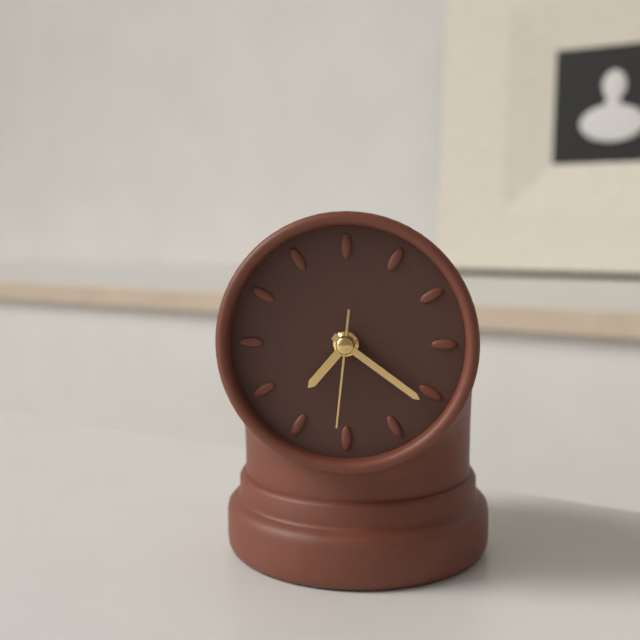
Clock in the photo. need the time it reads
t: 7:21:31
